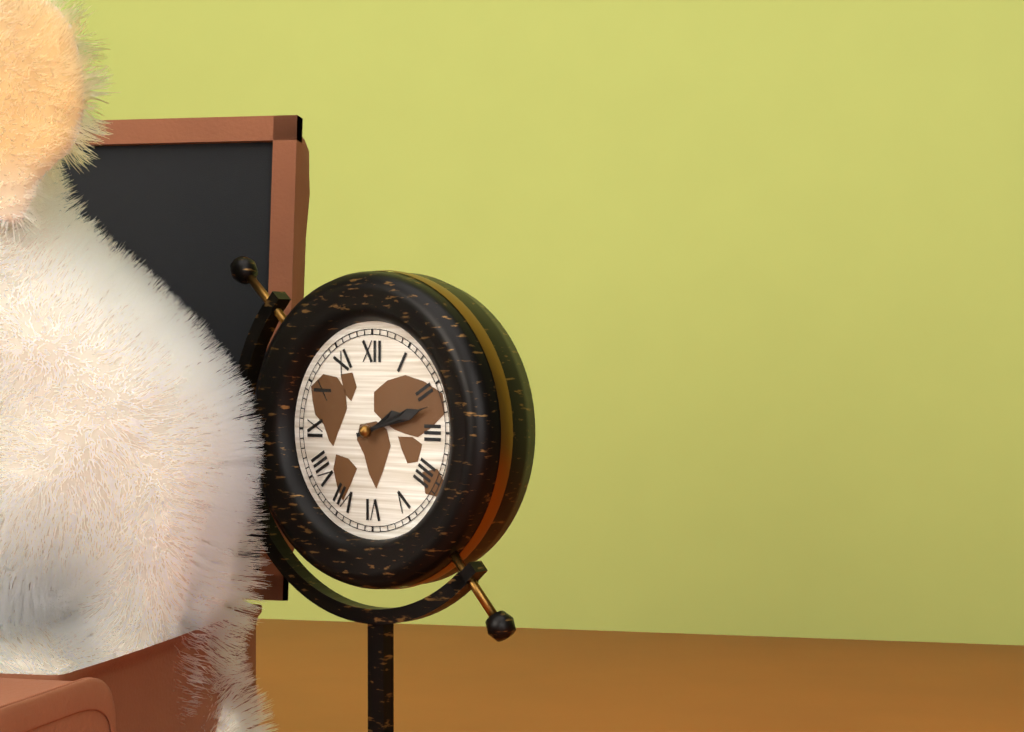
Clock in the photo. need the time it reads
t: 2:12
